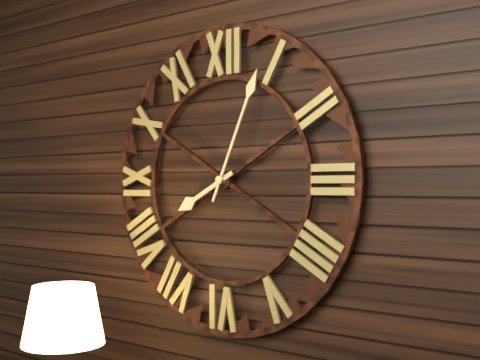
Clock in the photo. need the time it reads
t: 8:04
